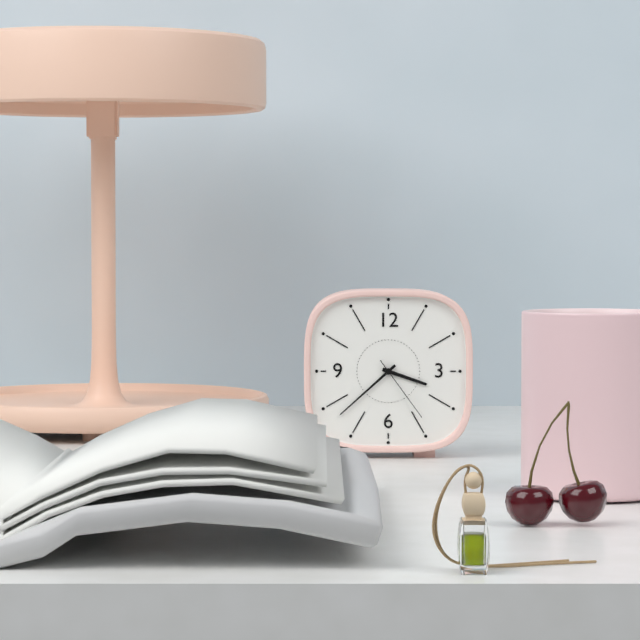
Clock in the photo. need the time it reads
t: 3:38:24
